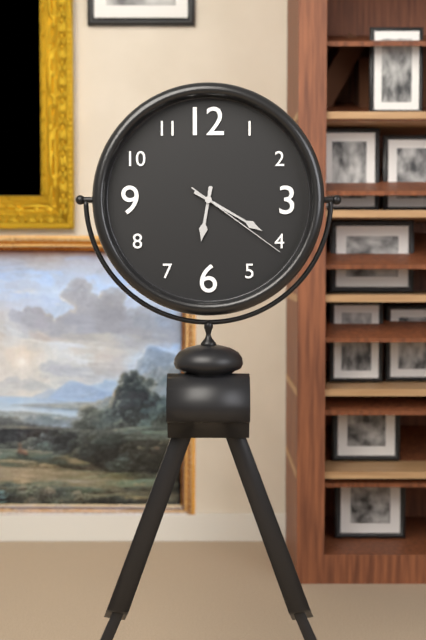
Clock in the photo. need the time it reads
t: 6:20:21
